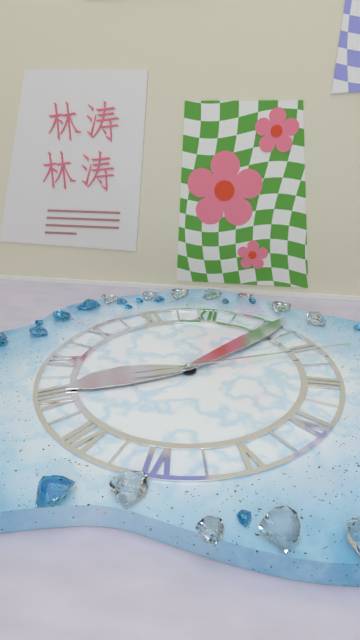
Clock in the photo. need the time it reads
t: 8:06:11
